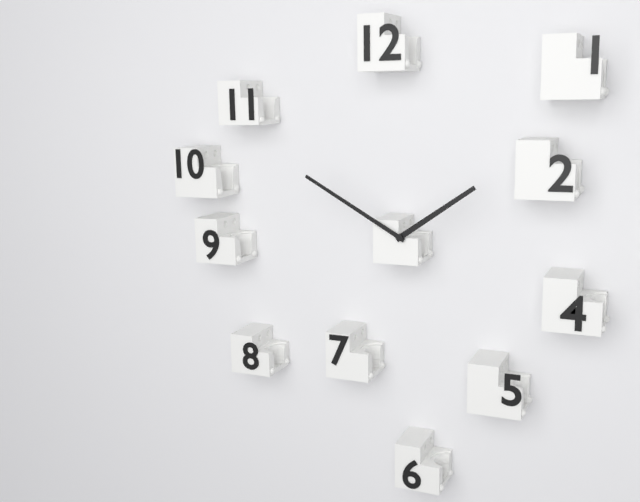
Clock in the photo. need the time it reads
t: 1:50
